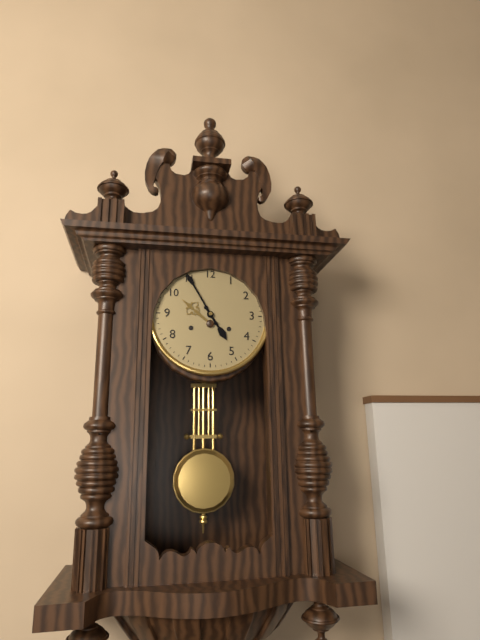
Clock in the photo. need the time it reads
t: 4:55
